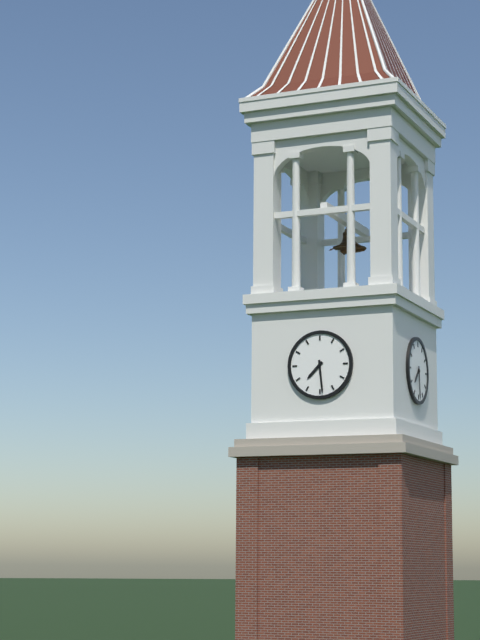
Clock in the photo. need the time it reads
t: 7:29
